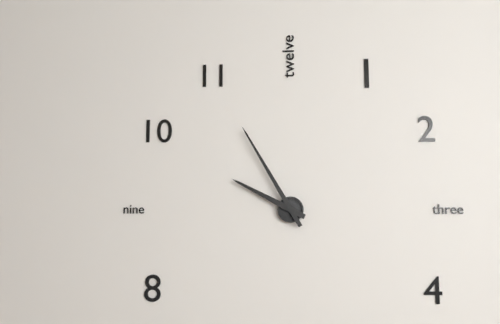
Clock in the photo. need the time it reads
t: 9:55
